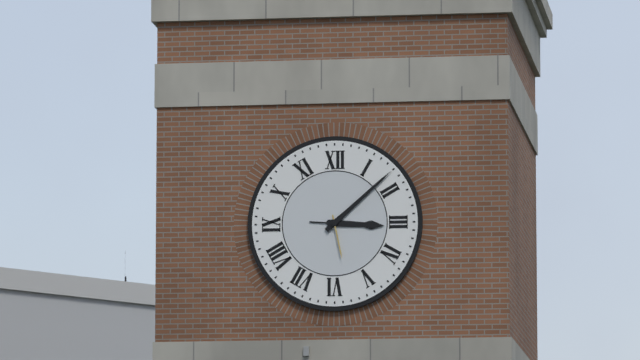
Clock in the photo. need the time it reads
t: 3:08
